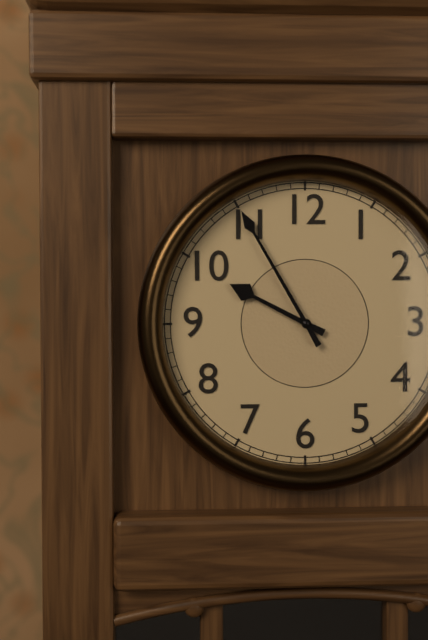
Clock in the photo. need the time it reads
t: 9:55
